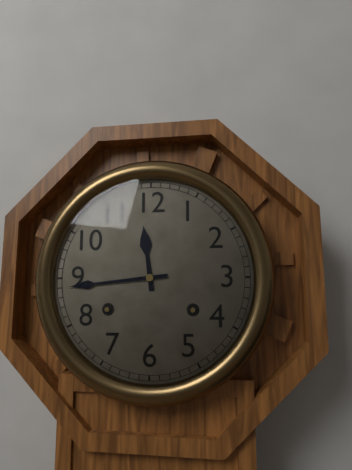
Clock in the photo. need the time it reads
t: 11:44
